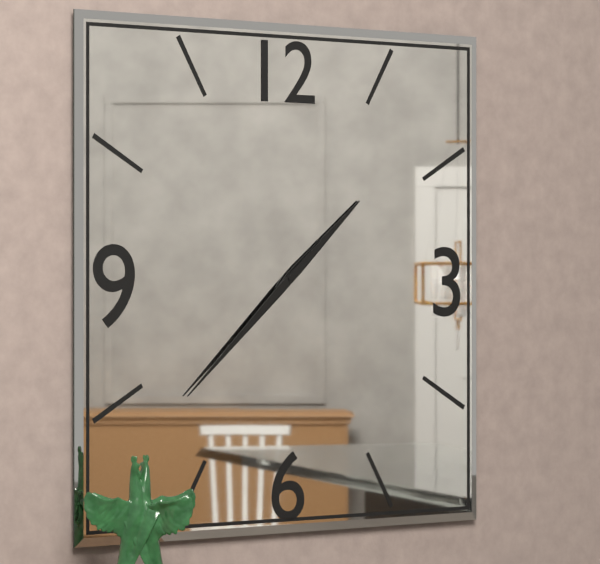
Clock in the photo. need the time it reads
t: 1:38
